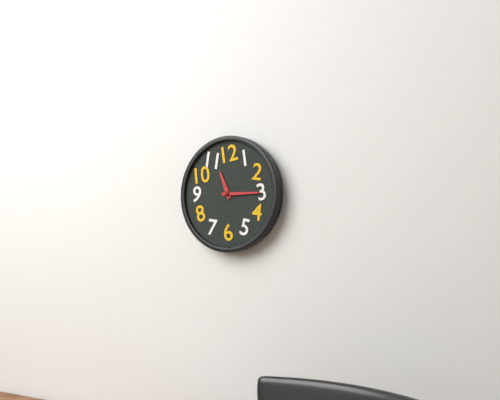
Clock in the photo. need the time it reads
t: 11:15
